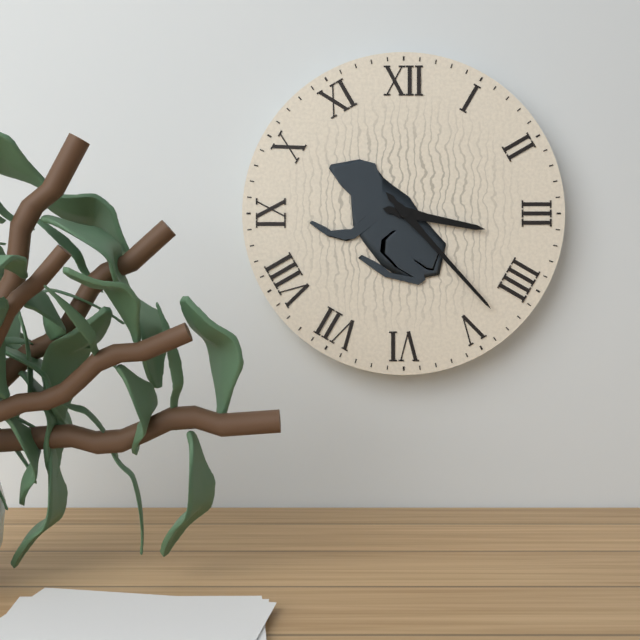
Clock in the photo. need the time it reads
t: 3:23
